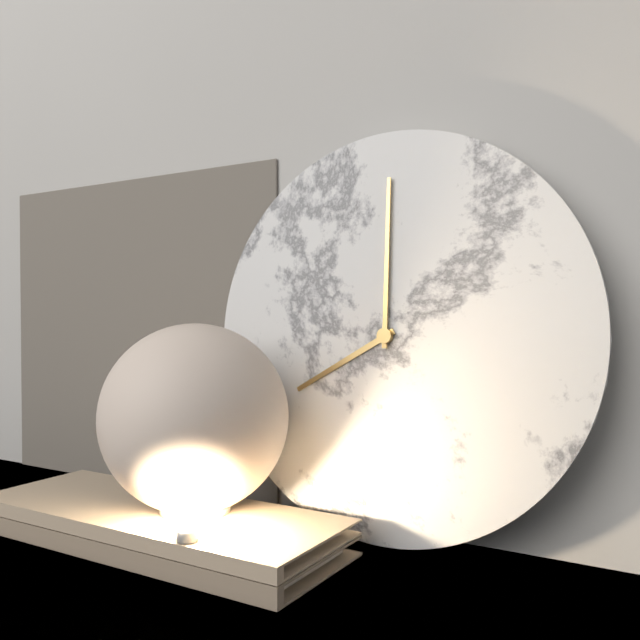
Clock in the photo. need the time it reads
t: 8:00
